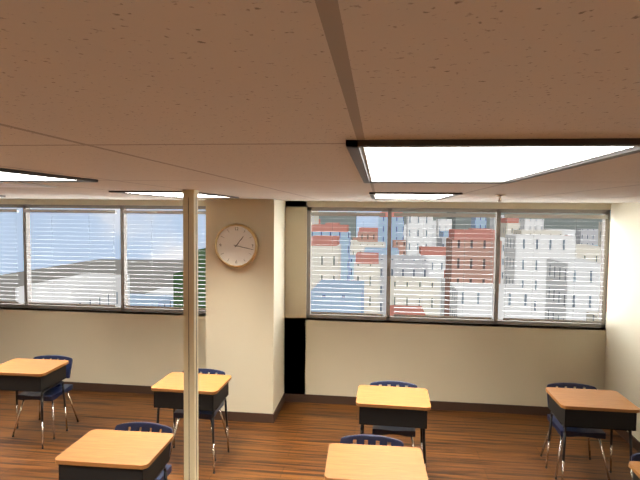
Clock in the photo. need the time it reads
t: 1:17
